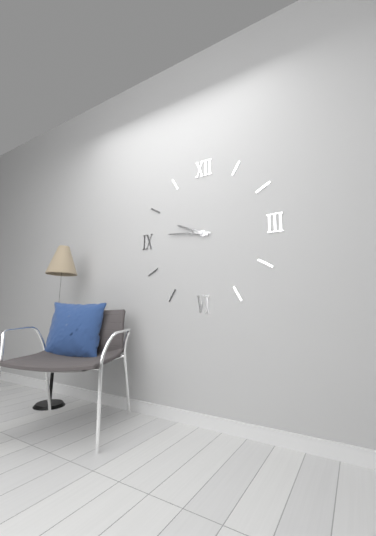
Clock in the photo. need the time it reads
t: 9:46
